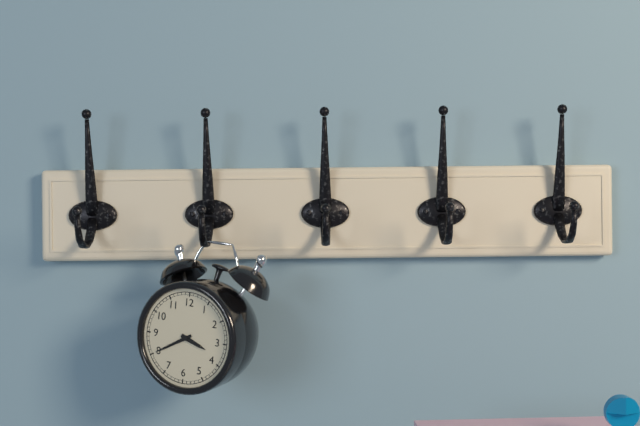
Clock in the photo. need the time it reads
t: 3:40
